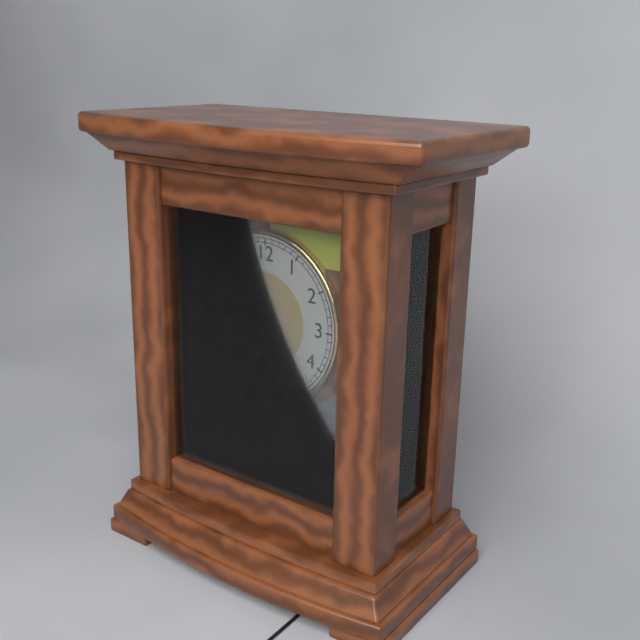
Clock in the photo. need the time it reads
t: 7:49
